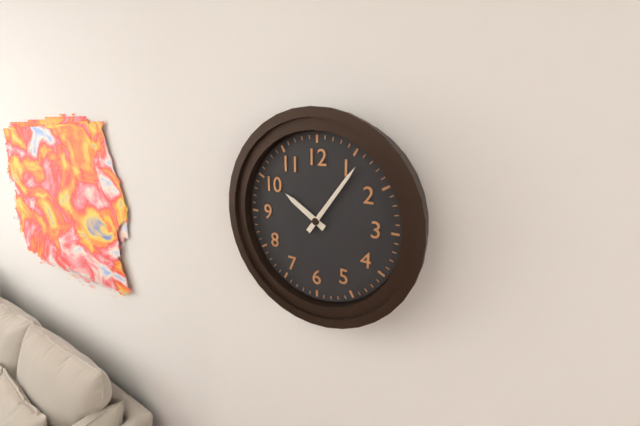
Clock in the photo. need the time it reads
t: 10:06
